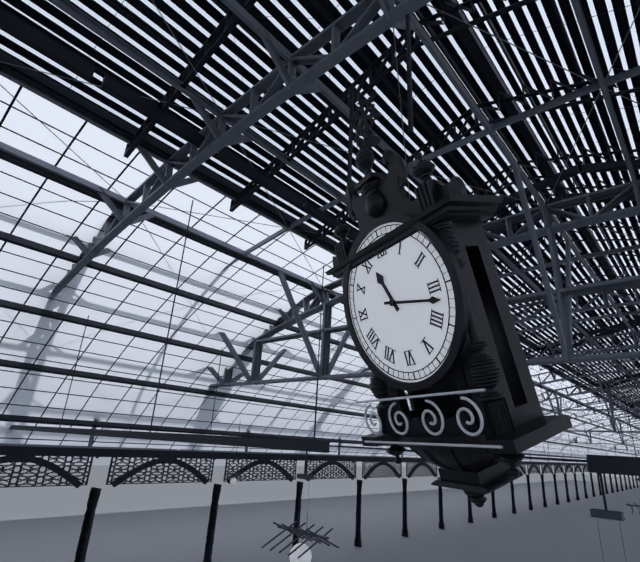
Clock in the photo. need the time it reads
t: 11:17
